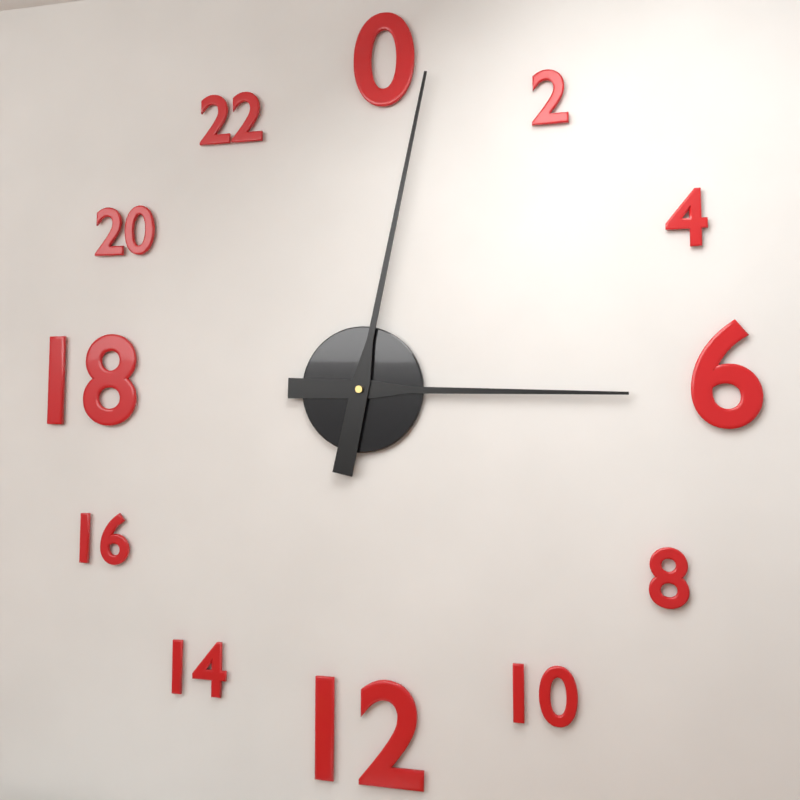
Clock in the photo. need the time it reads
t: 3:02
